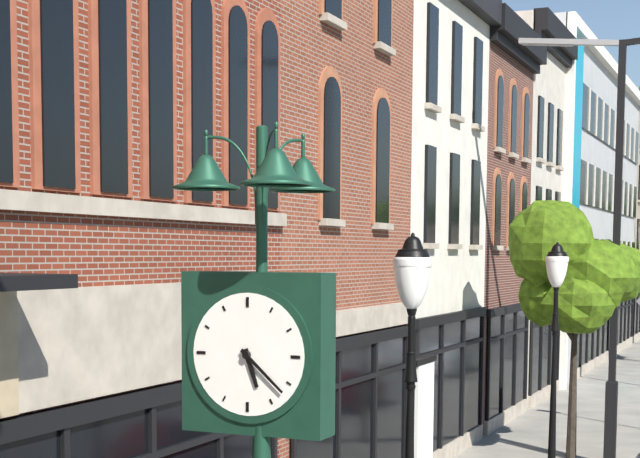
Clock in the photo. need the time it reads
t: 5:22
